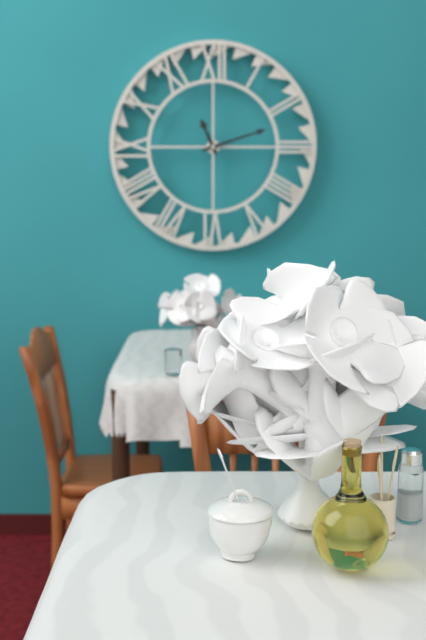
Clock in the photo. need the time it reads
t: 11:12
